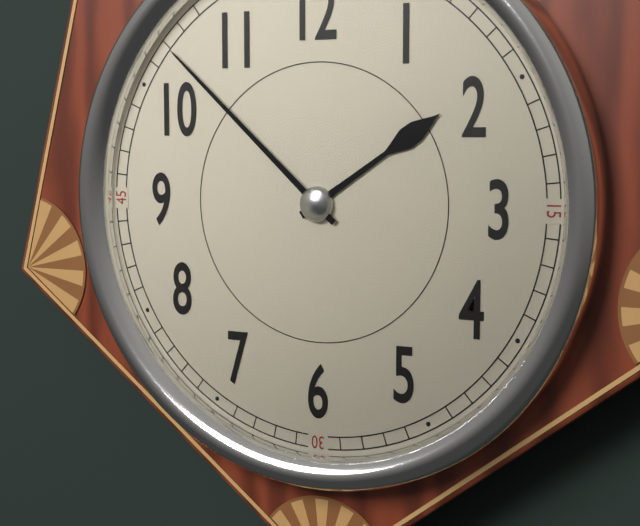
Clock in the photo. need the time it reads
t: 1:52
